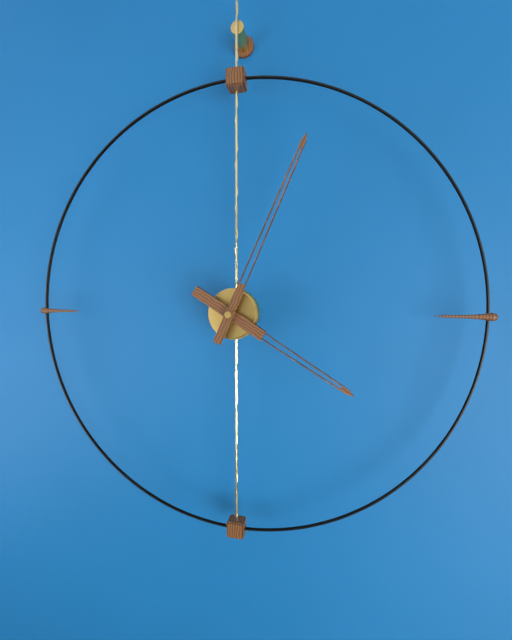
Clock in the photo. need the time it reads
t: 4:04
